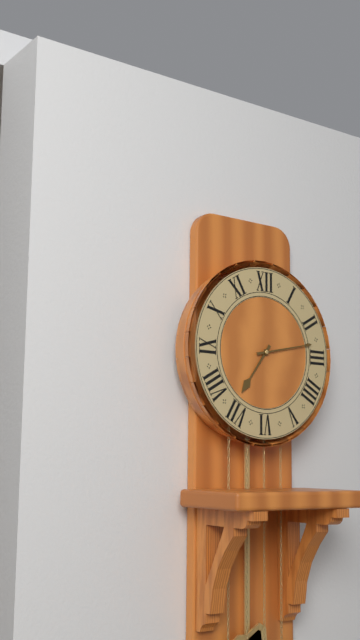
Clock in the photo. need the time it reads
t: 7:13
